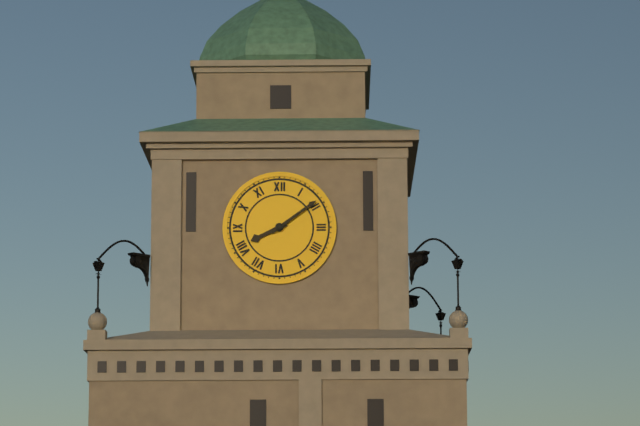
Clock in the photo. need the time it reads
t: 8:09
